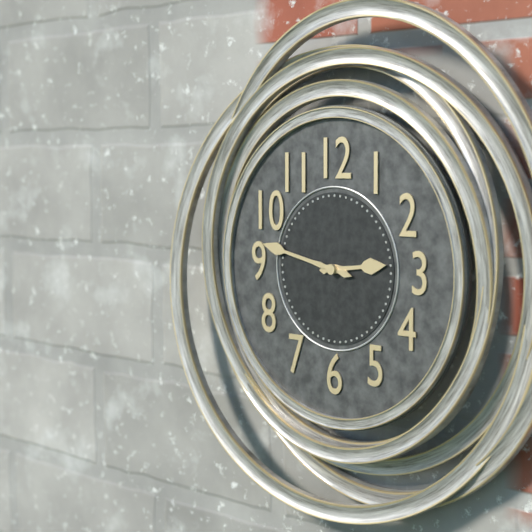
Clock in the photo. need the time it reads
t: 2:47
